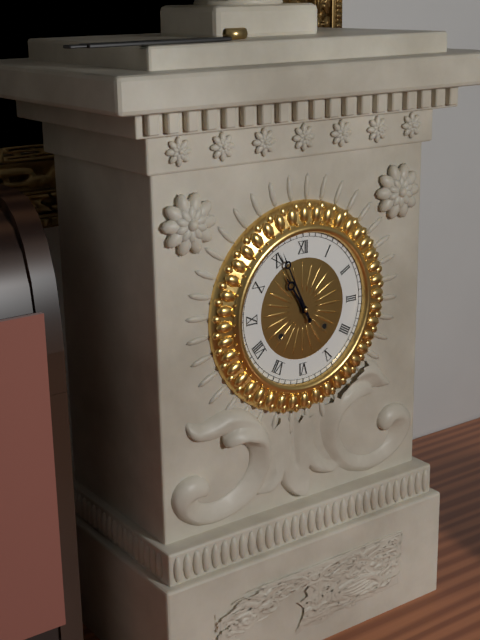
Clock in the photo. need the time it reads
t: 10:56
